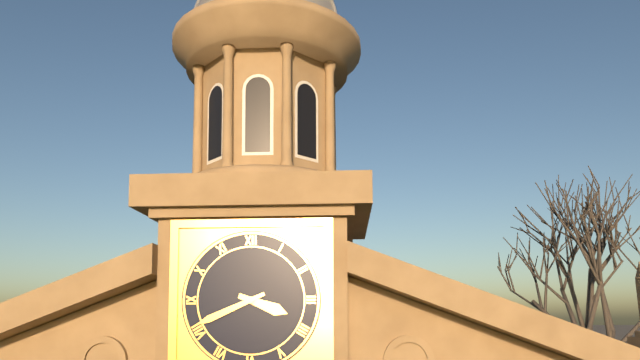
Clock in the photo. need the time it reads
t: 3:41
